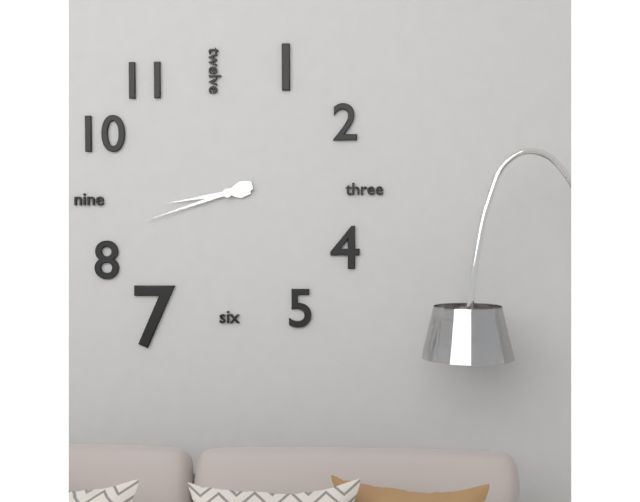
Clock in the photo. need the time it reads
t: 8:42
